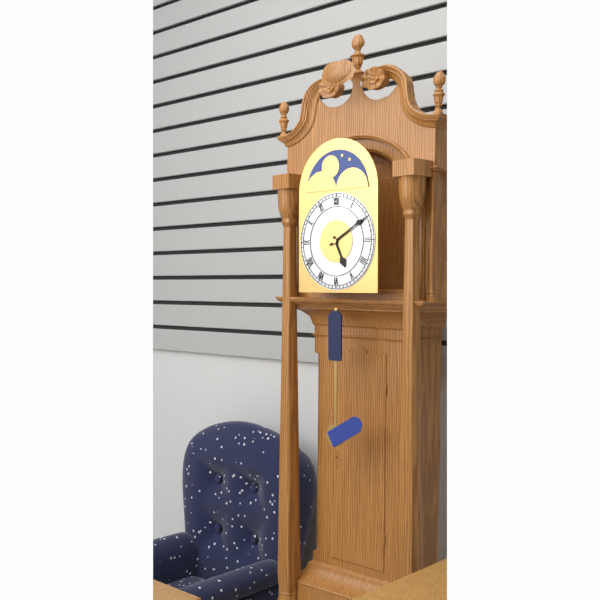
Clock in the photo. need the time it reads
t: 5:10
